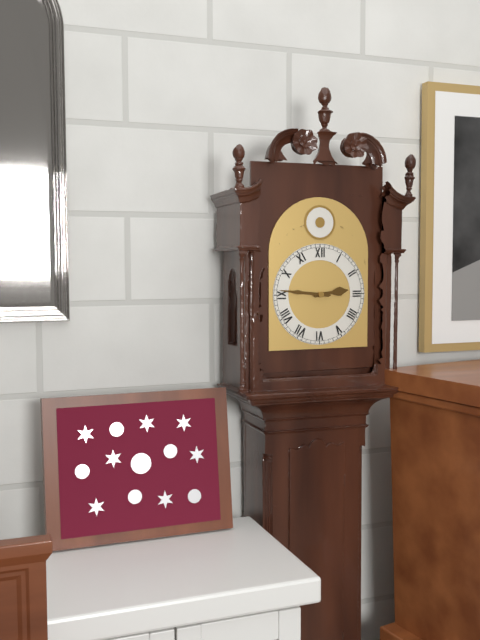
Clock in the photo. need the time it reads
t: 2:46
